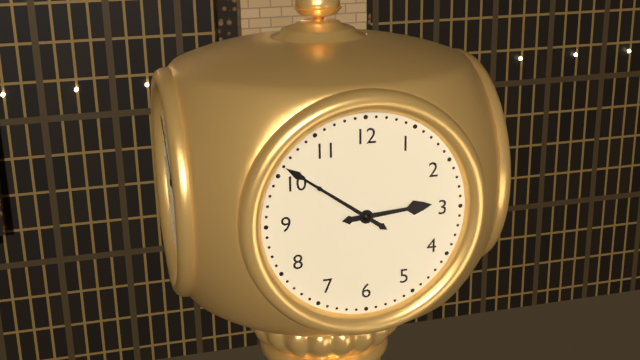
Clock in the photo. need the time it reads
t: 2:51
